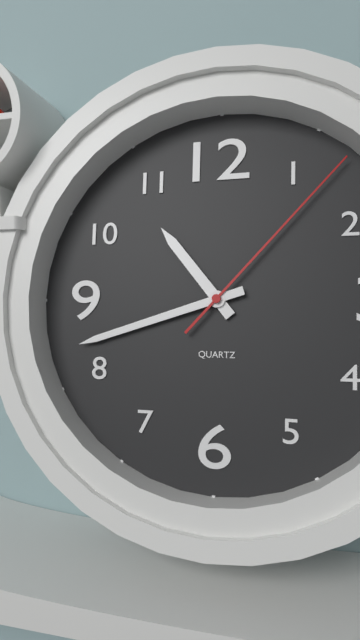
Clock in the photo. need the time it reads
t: 10:42:07
